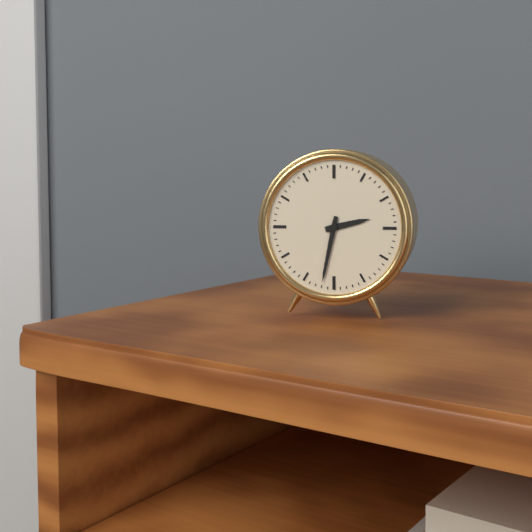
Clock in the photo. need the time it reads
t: 2:32
